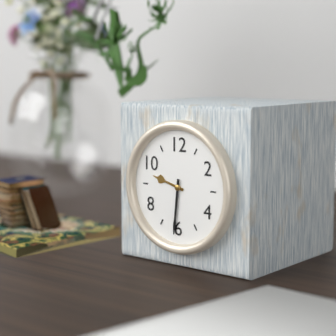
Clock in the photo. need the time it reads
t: 9:31
